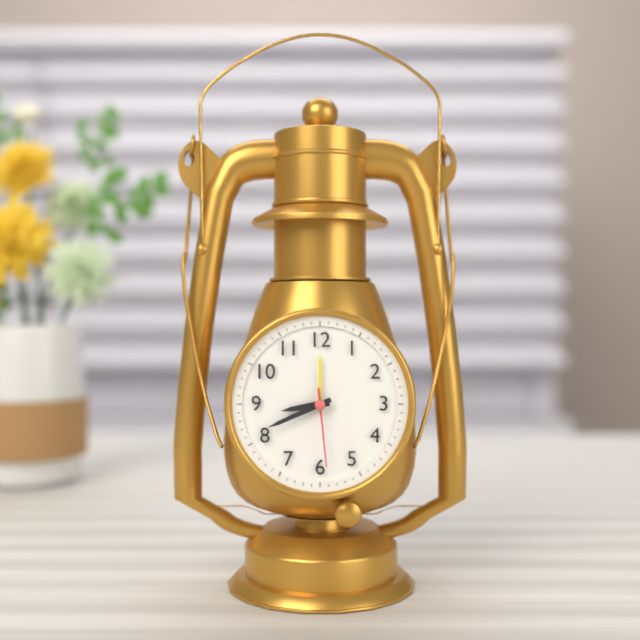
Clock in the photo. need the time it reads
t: 8:41:29
